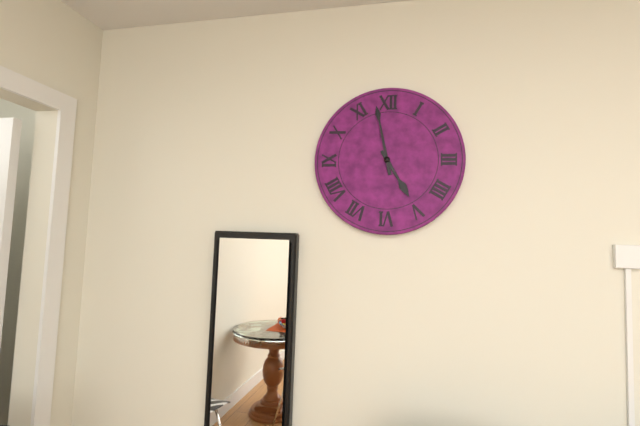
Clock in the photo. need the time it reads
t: 4:58
